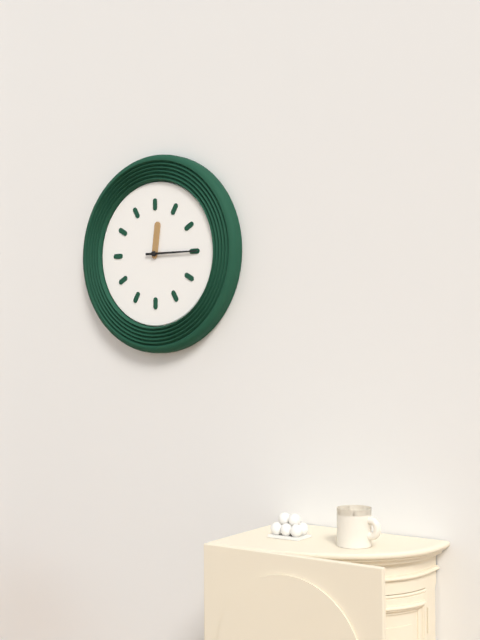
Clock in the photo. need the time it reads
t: 12:15
